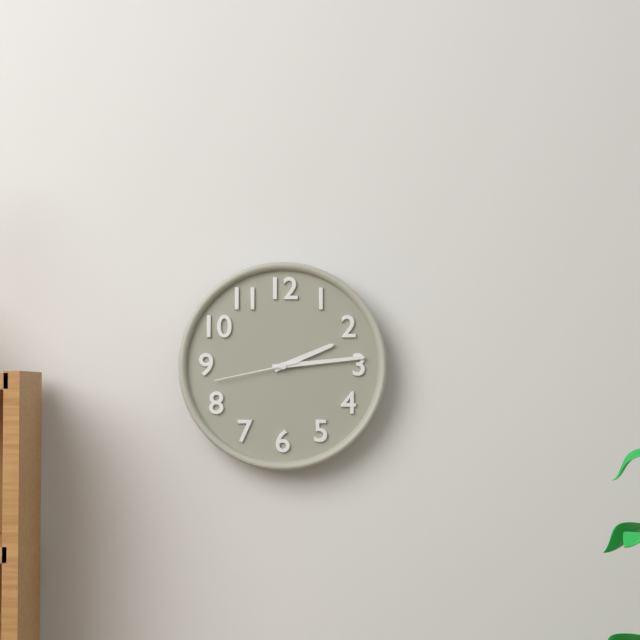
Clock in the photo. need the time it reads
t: 2:14:43
